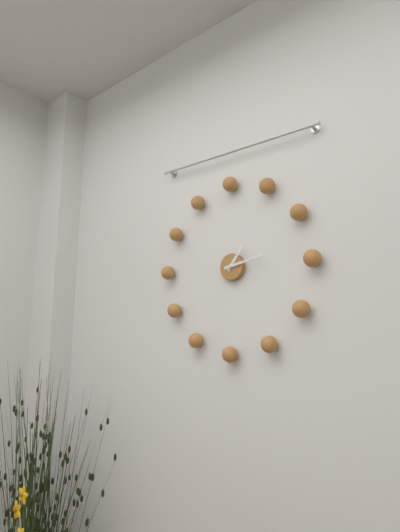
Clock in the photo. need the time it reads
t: 1:13
